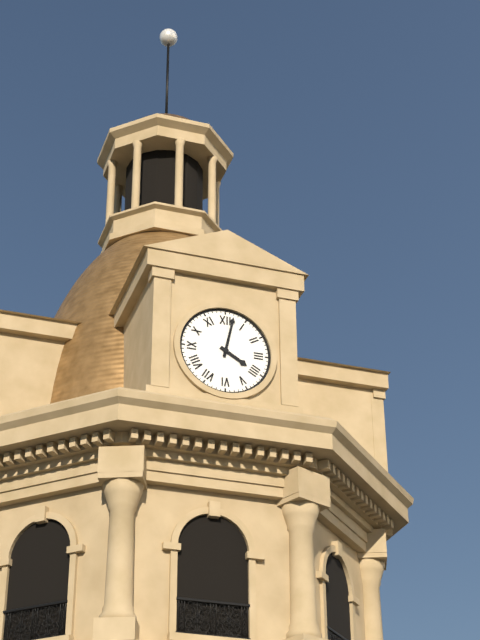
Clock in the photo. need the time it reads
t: 4:02
